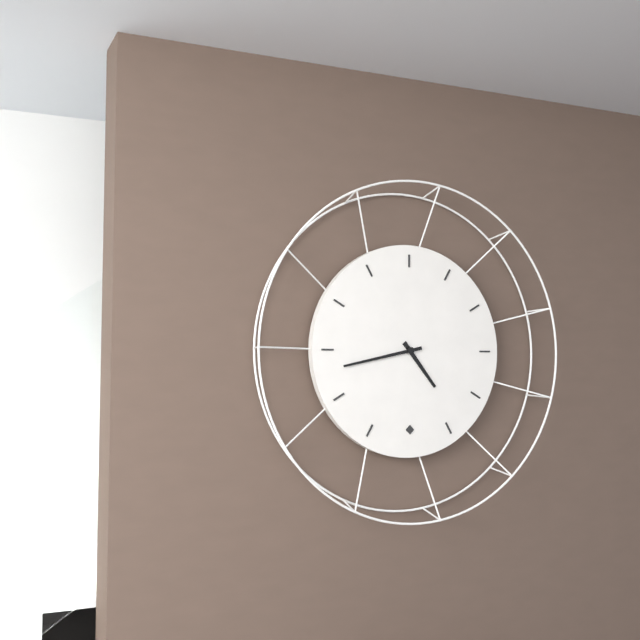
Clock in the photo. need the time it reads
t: 4:43
